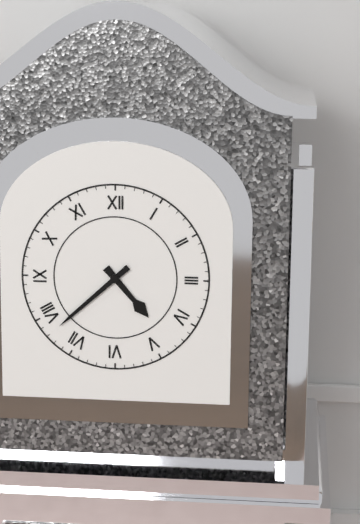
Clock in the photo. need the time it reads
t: 4:38
